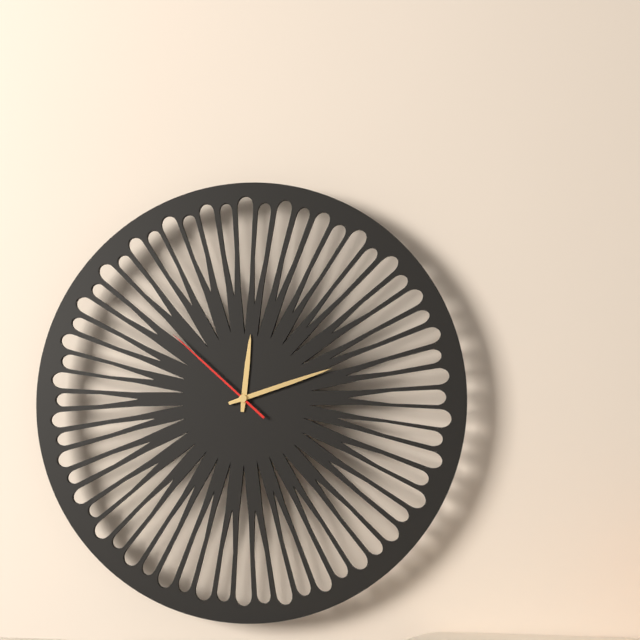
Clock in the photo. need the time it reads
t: 12:12:52
